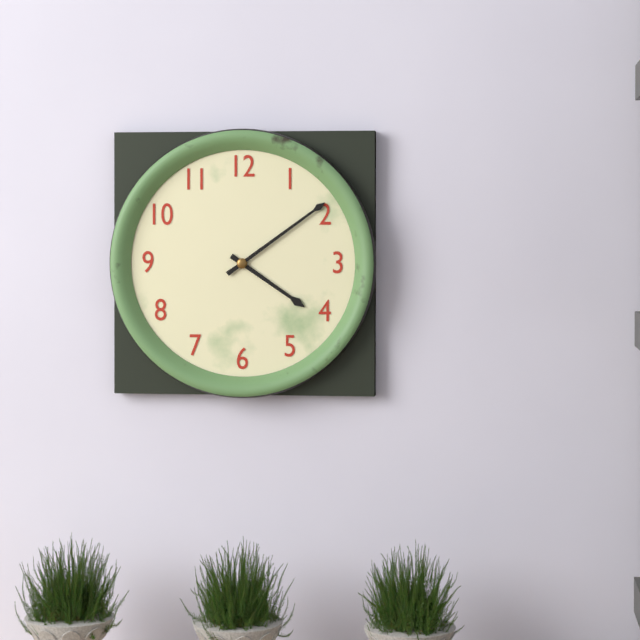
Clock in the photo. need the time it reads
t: 4:09
